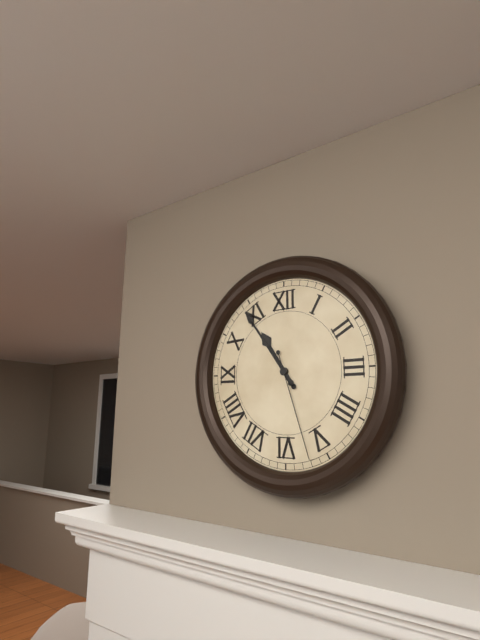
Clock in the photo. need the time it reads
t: 10:54:27
